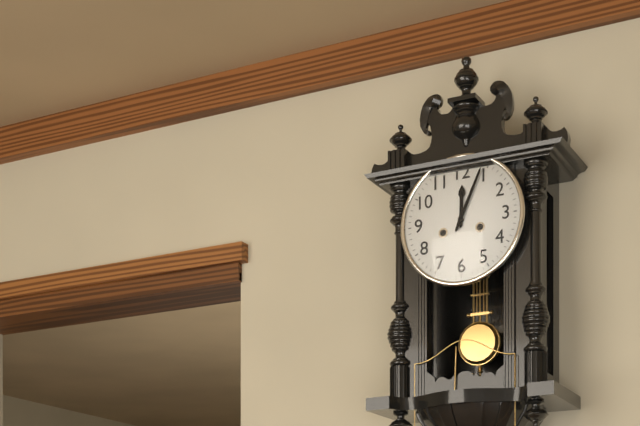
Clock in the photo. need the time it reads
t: 12:04
